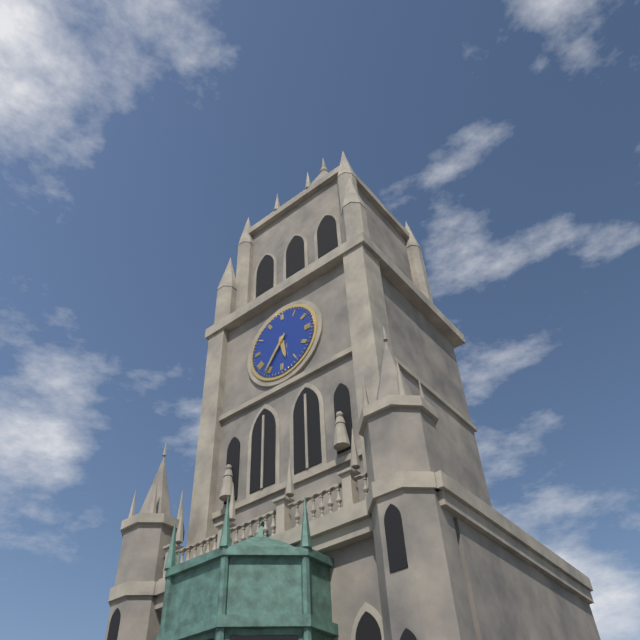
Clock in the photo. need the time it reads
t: 5:36
